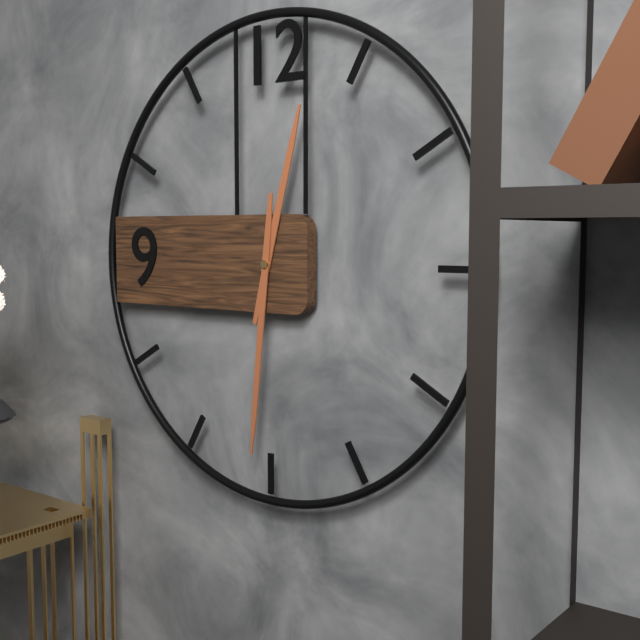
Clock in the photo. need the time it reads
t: 12:31
